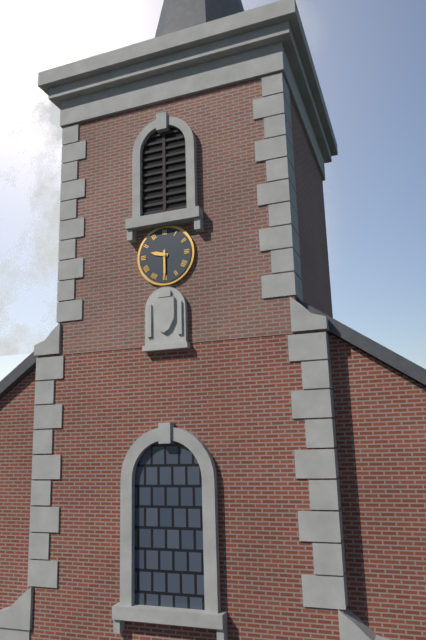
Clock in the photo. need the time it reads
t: 9:30
